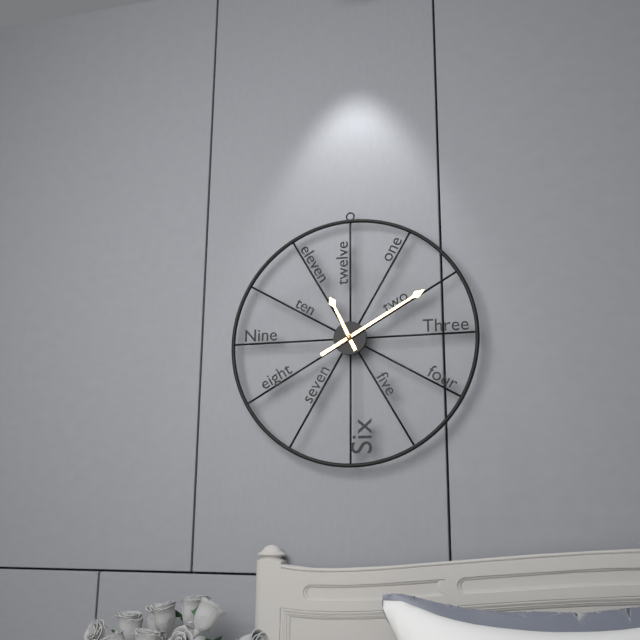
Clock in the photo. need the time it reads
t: 11:10
